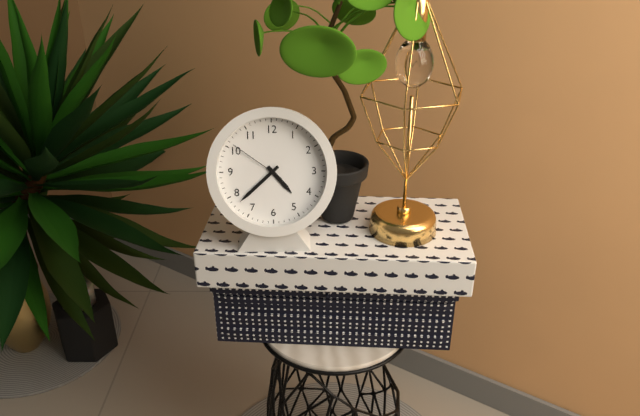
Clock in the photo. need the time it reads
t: 4:38:51
